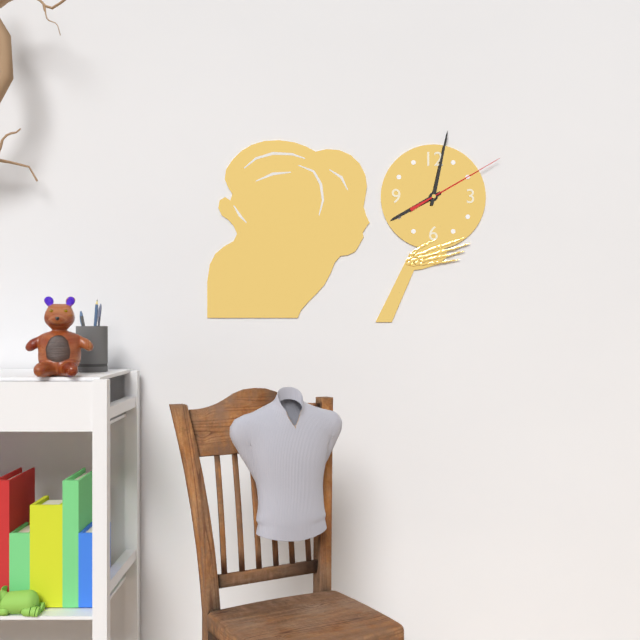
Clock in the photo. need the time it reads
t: 8:02:10
